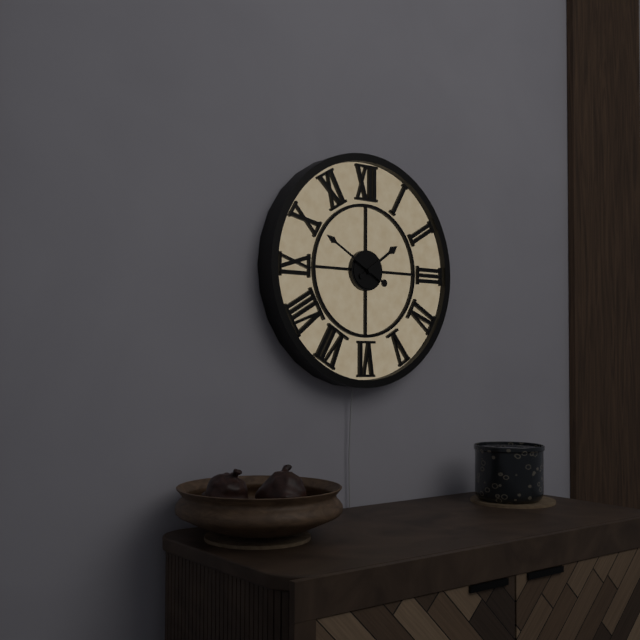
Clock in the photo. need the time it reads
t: 1:50
